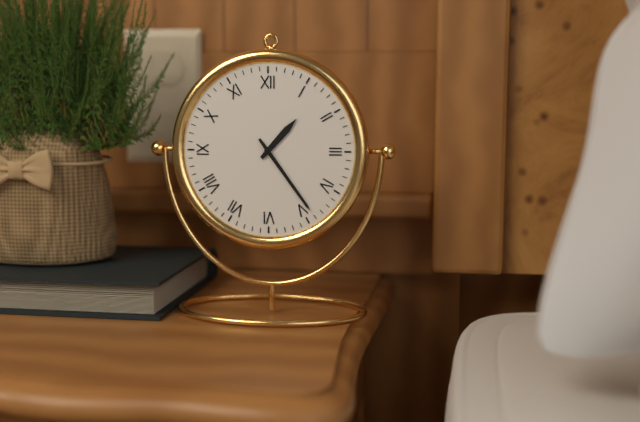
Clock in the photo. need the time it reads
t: 1:24
